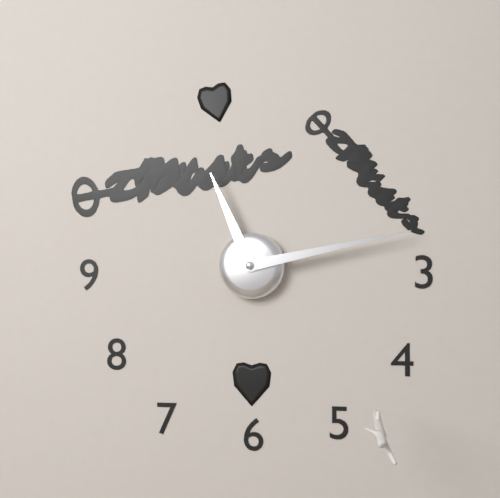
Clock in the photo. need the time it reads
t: 11:13
